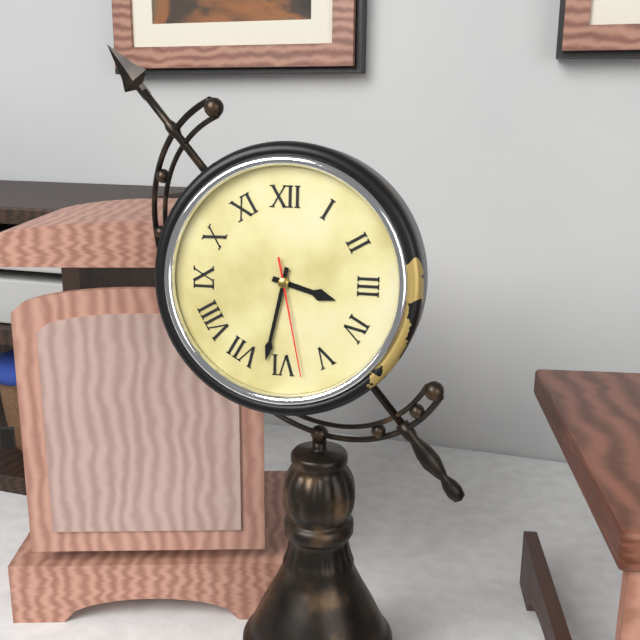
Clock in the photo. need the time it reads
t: 3:32:28
